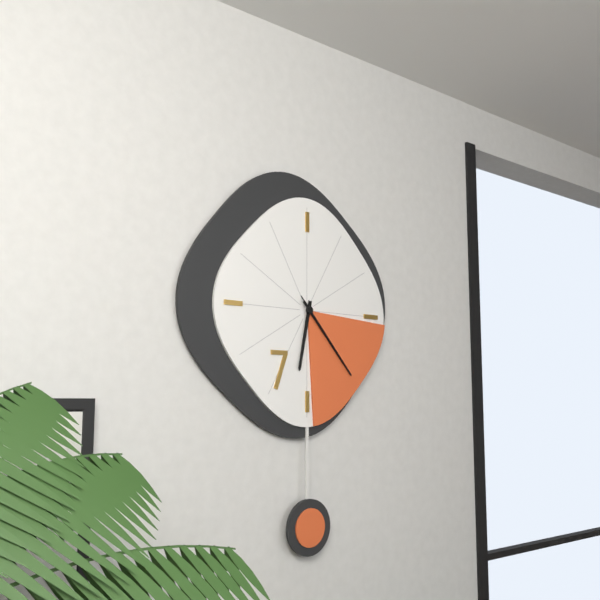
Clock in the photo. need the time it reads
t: 6:23:23
